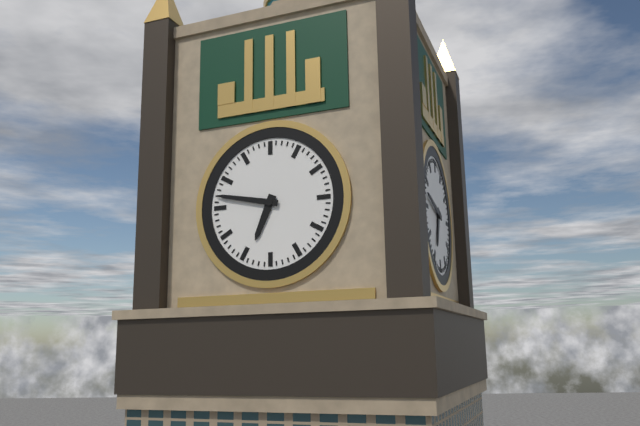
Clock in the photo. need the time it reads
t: 6:47
